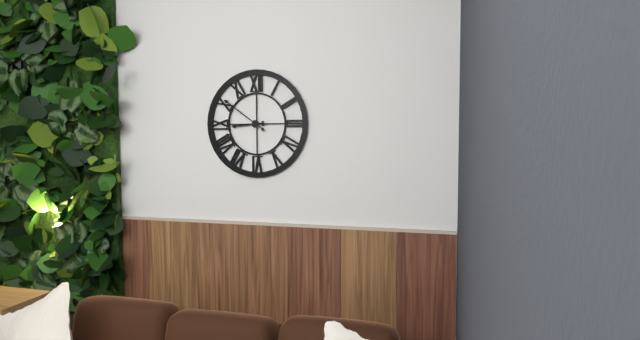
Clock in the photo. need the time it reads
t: 8:51
